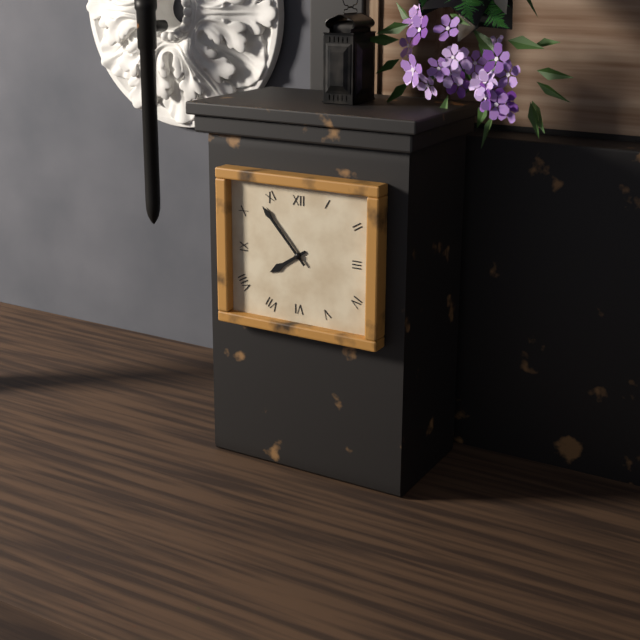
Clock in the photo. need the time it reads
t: 7:53
